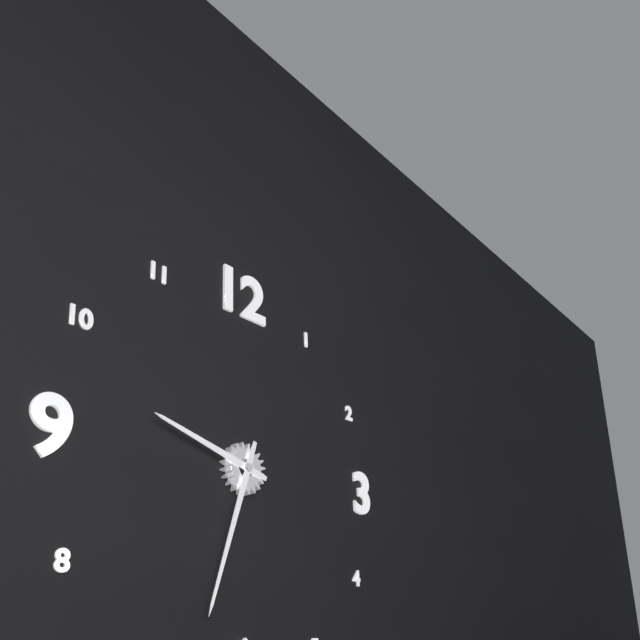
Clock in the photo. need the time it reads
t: 9:33
